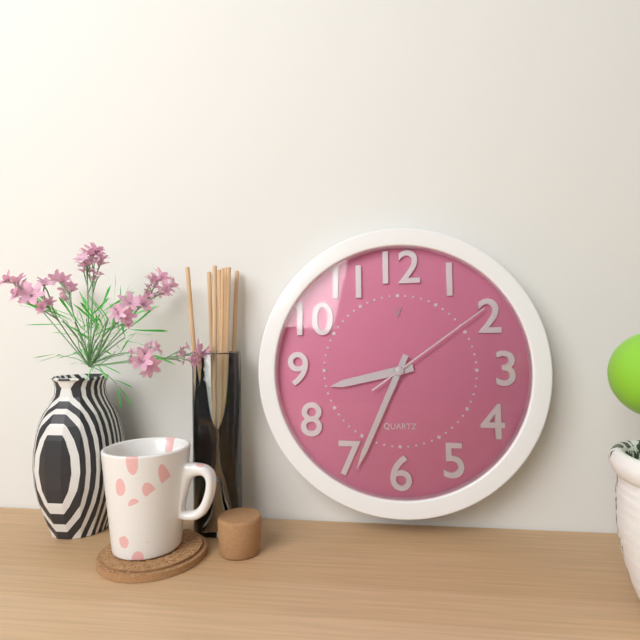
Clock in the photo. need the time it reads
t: 8:34:09
